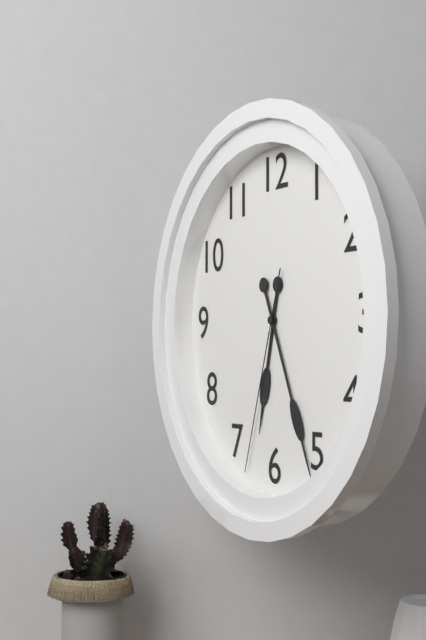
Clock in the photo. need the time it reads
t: 6:26:33
